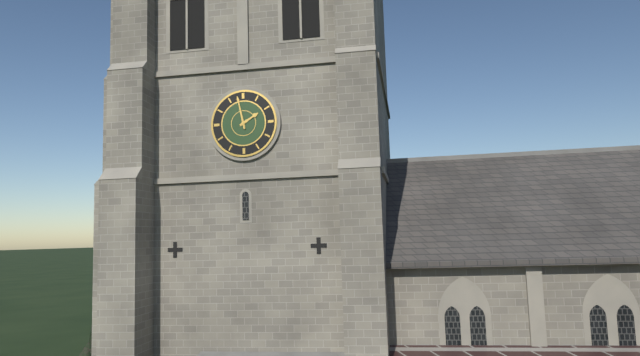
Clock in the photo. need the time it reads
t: 1:58
